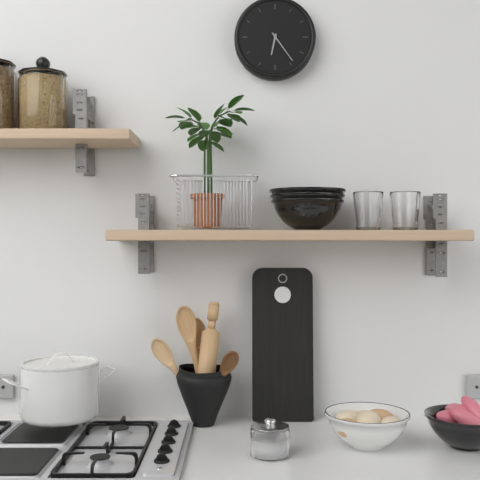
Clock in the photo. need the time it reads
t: 6:24
